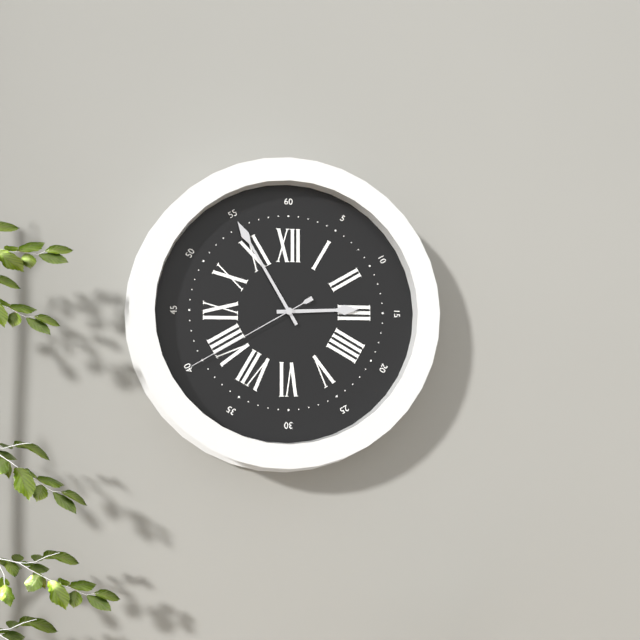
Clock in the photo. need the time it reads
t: 2:55:40
